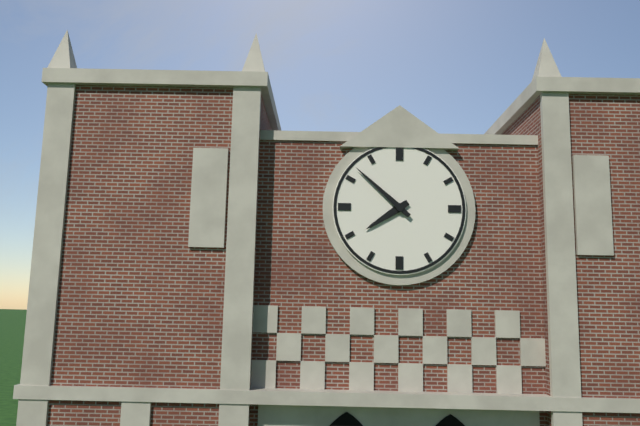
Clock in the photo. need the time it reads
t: 7:52
